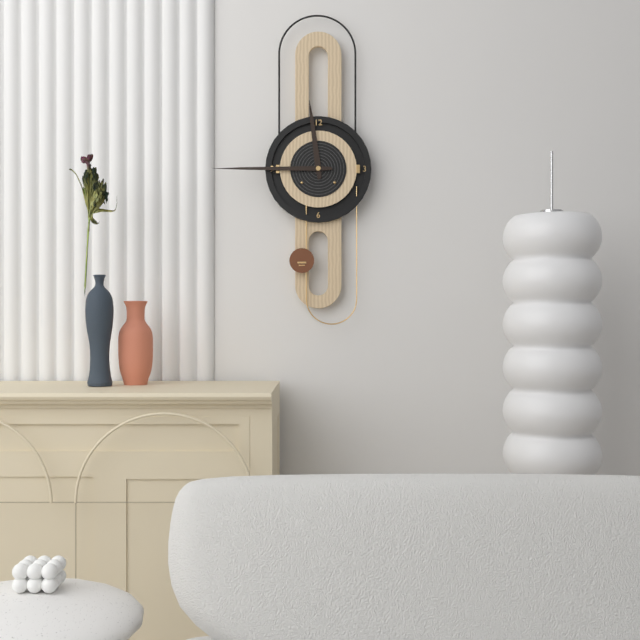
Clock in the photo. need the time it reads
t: 11:45
